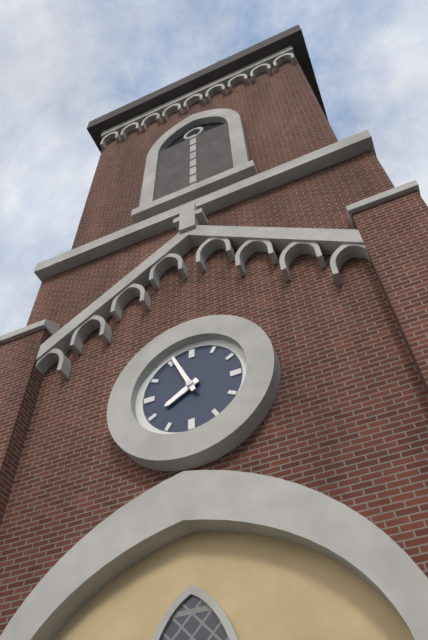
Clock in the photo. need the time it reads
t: 7:56
